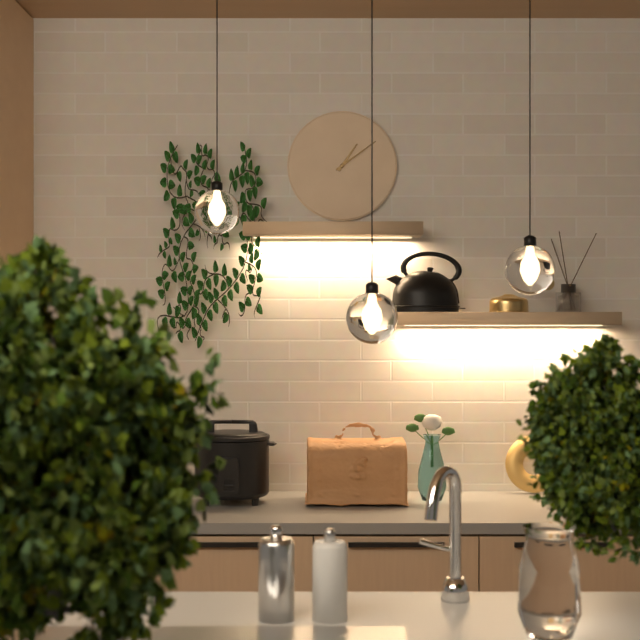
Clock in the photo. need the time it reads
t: 1:09
